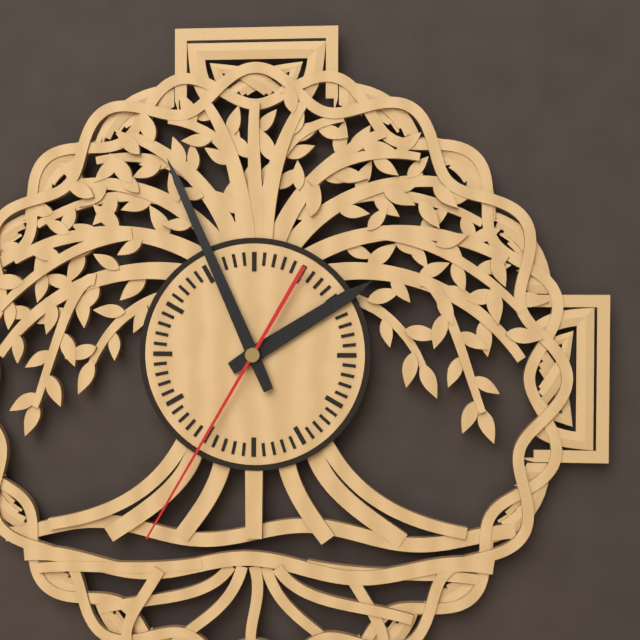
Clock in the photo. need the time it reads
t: 1:56:35
